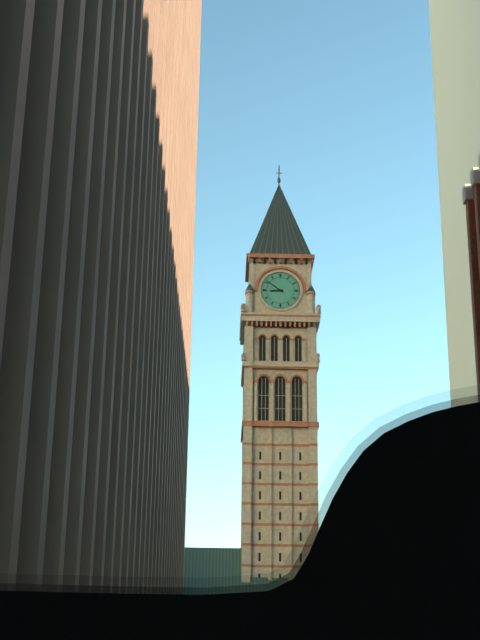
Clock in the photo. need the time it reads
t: 8:51
